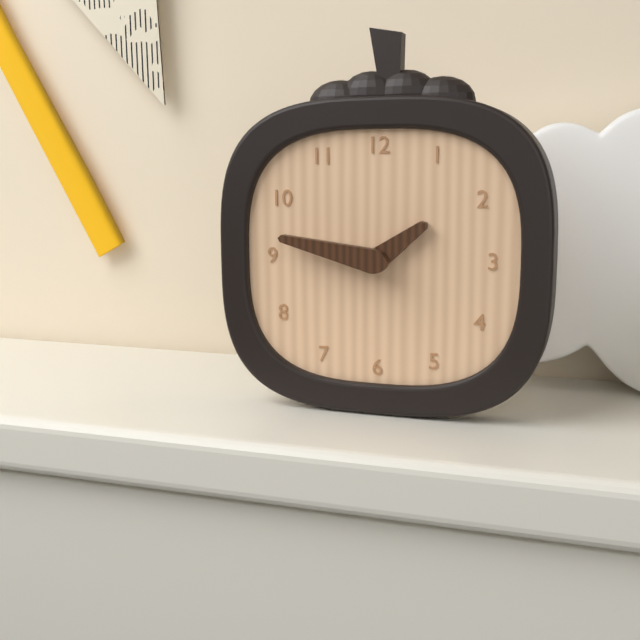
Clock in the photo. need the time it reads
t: 1:47
